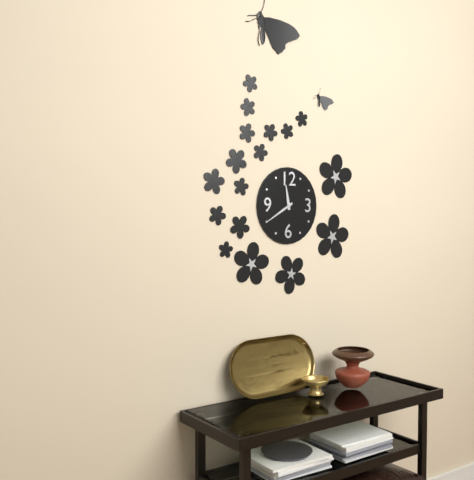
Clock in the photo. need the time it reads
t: 11:40
